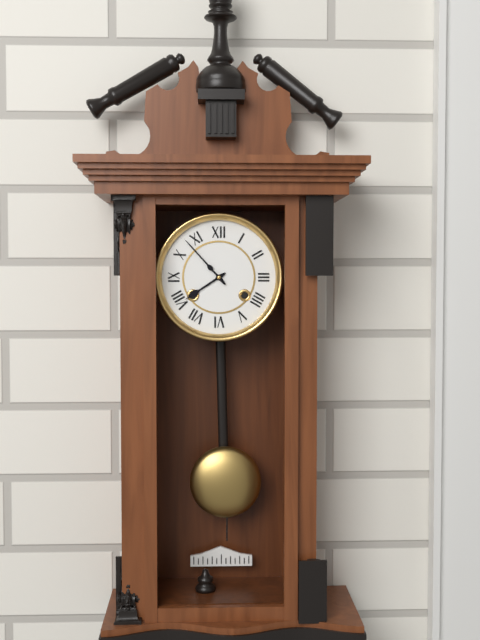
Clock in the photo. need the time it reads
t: 7:53
